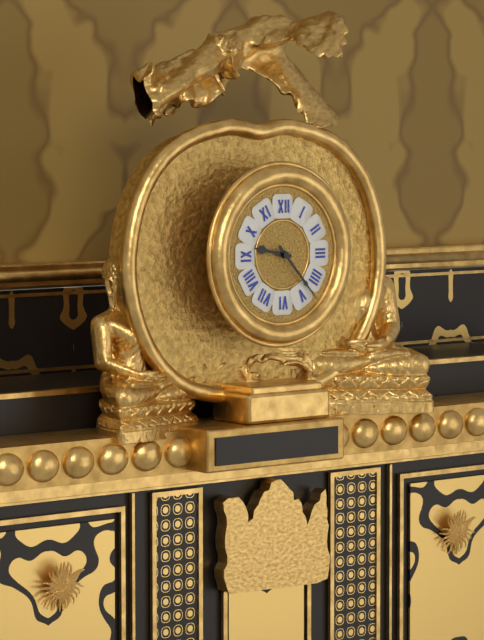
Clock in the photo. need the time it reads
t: 9:23
